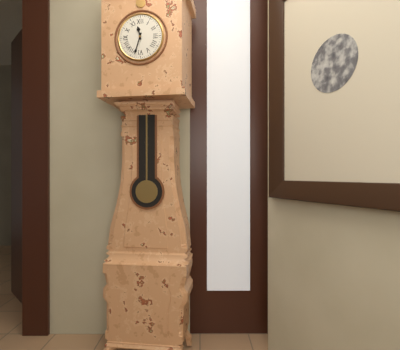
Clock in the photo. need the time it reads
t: 11:33
